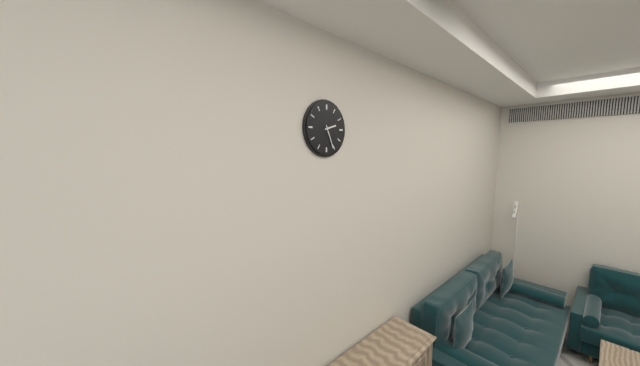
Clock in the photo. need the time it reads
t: 2:26
